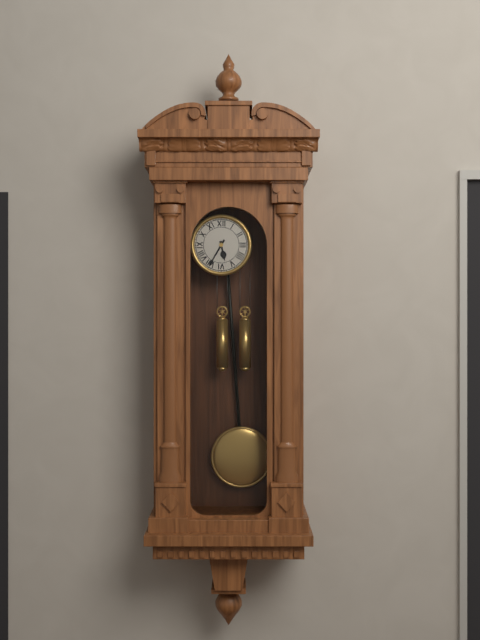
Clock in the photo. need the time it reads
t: 5:35
